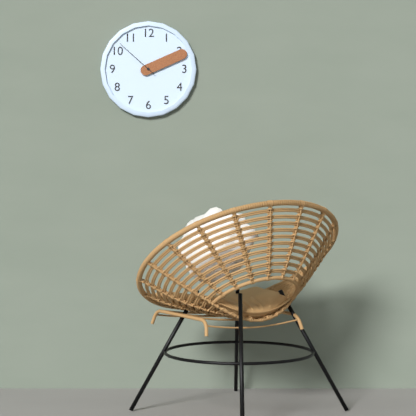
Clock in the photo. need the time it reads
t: 2:11
